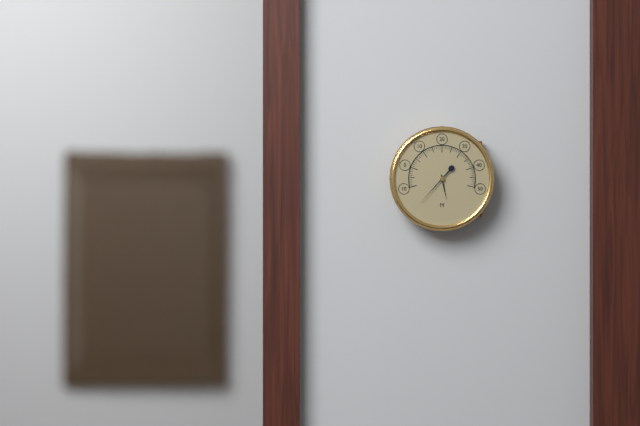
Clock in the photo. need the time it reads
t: 5:37
